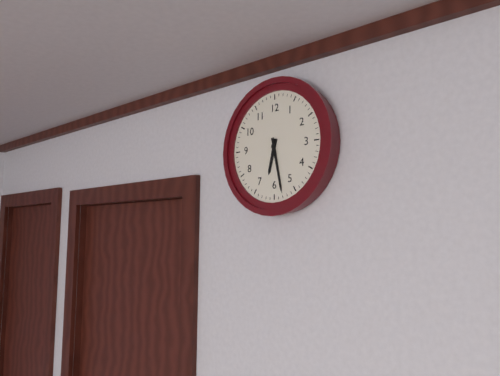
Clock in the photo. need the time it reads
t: 6:28
